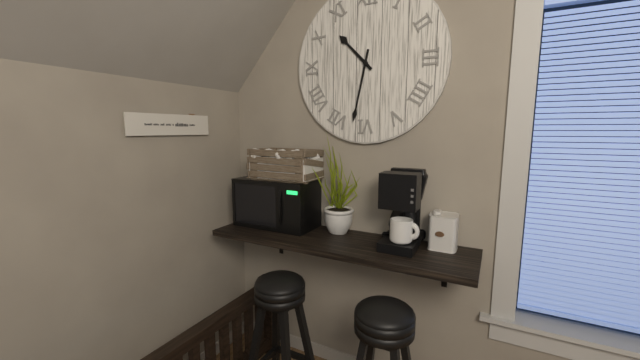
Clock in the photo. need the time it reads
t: 10:32
